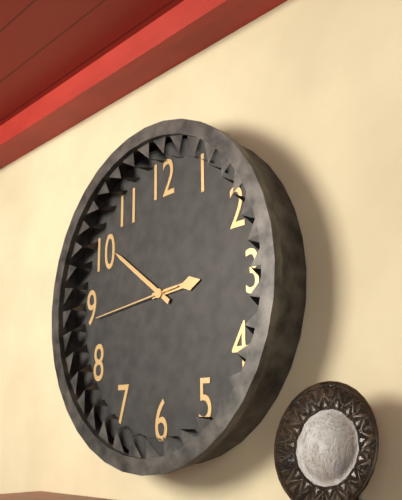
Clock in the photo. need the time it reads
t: 2:51:44
